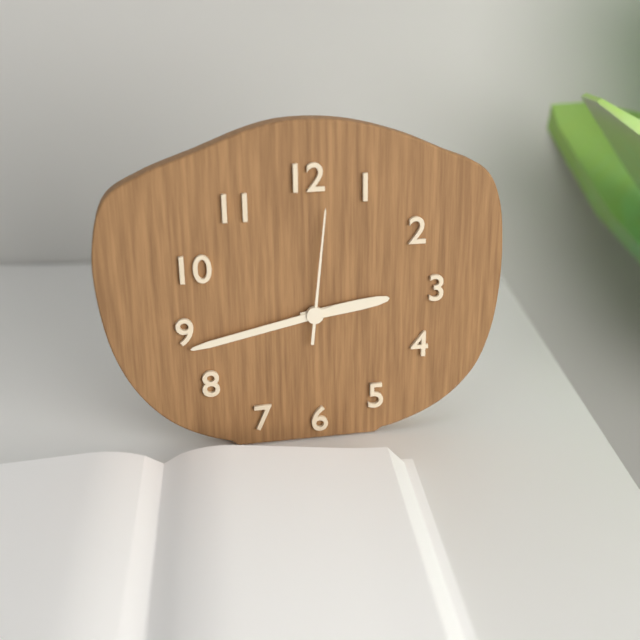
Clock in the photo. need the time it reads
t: 2:43:01
